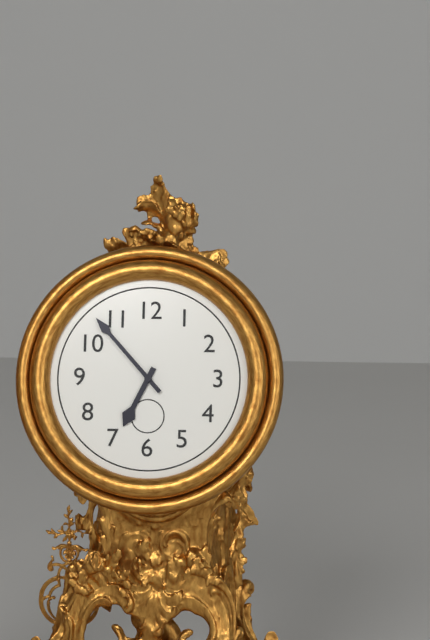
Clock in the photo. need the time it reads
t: 6:53
